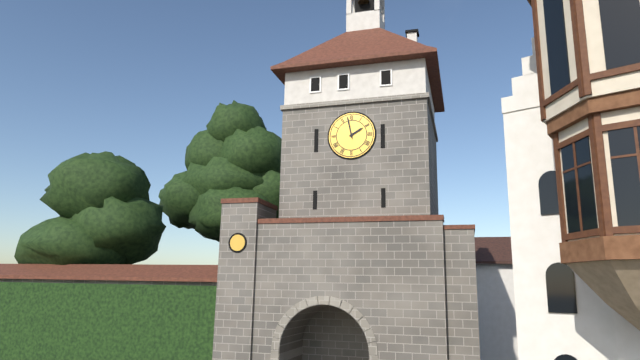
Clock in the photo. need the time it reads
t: 1:58
